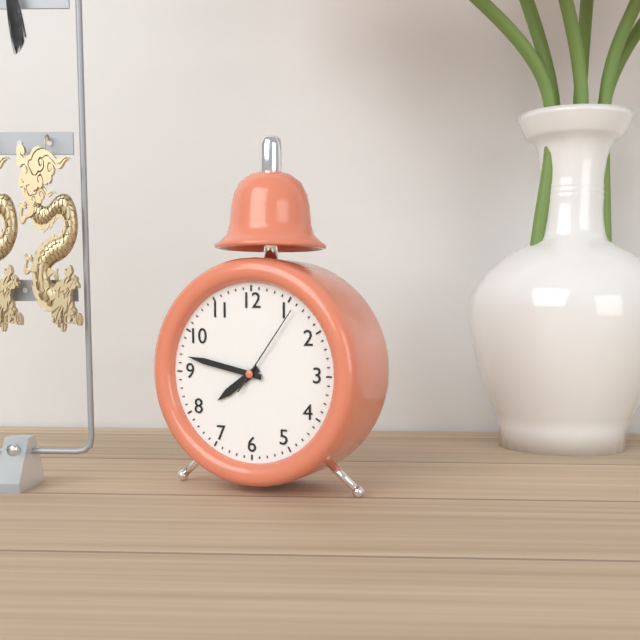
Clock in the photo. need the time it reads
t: 7:47:06
